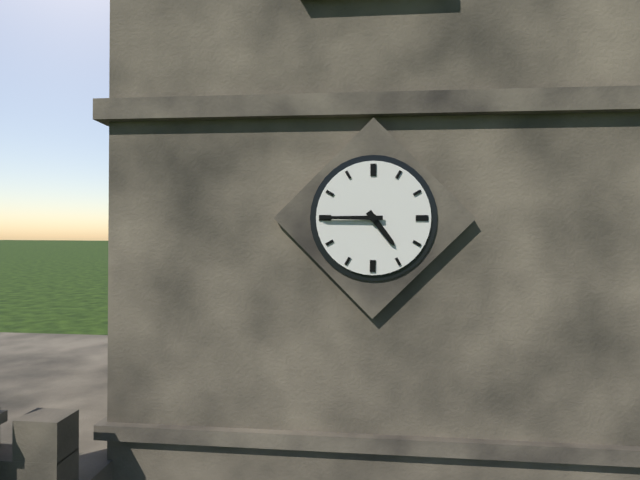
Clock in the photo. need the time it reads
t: 4:45
